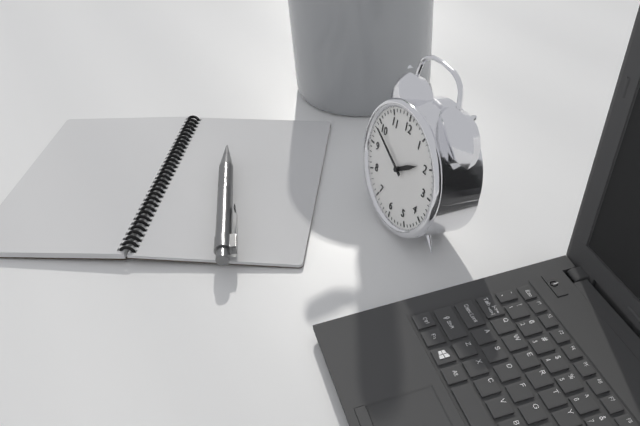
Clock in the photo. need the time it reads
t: 1:49
